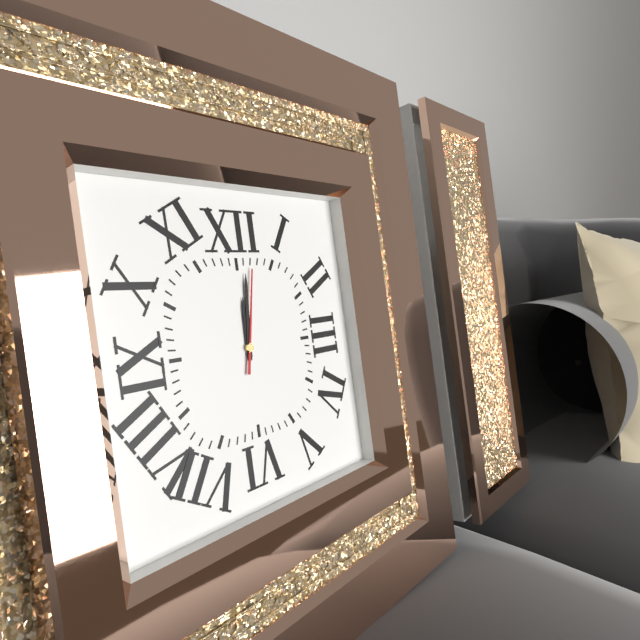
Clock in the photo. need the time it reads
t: 12:01:02
